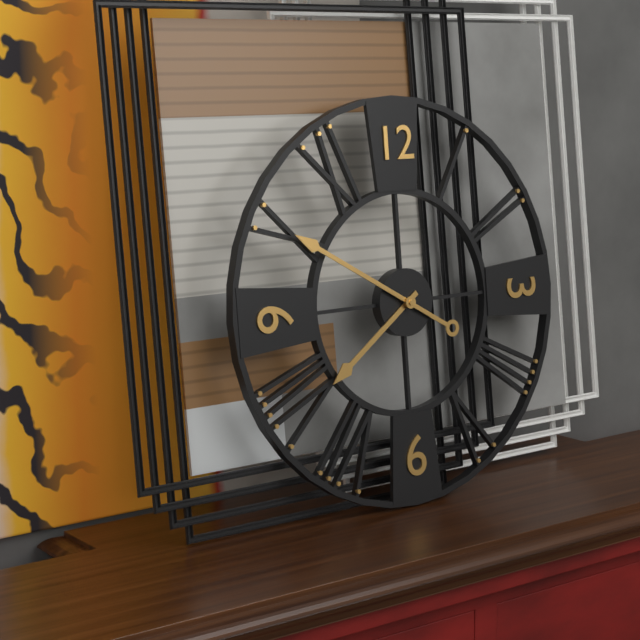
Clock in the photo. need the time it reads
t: 7:50
